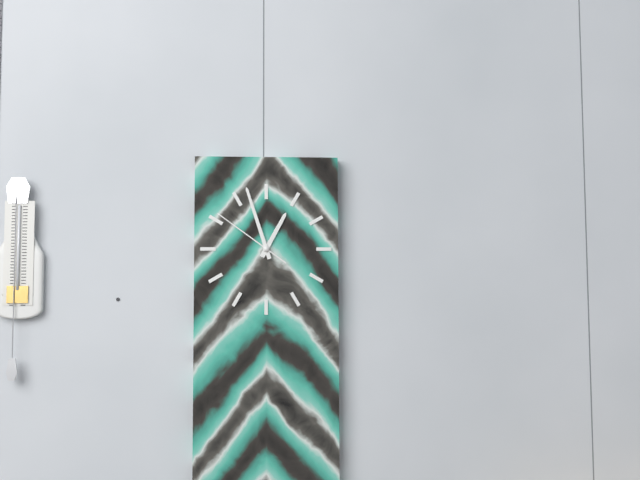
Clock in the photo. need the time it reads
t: 12:57:51
